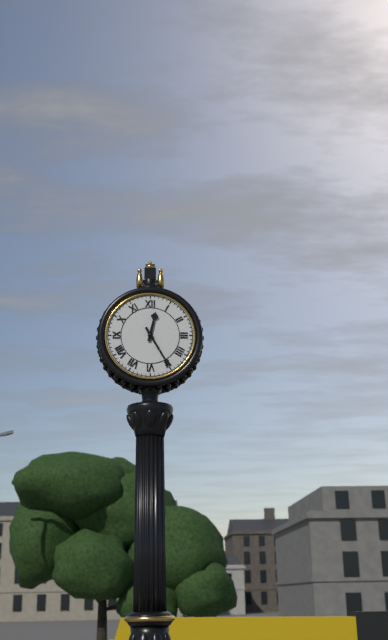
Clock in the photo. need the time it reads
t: 12:25
